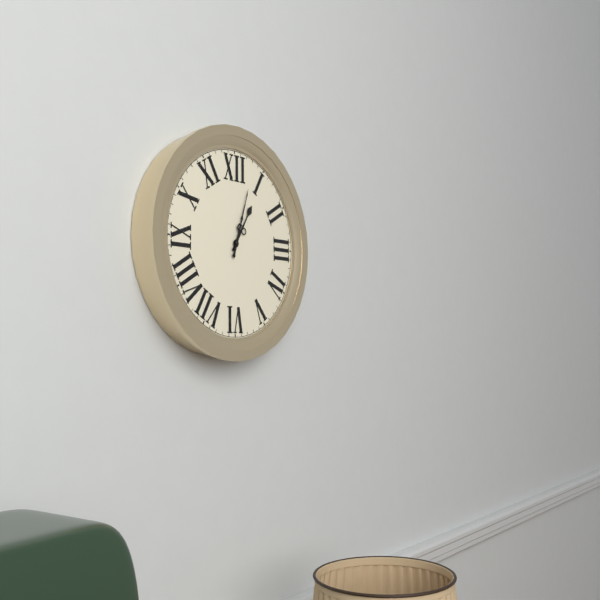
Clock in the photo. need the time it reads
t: 1:03
